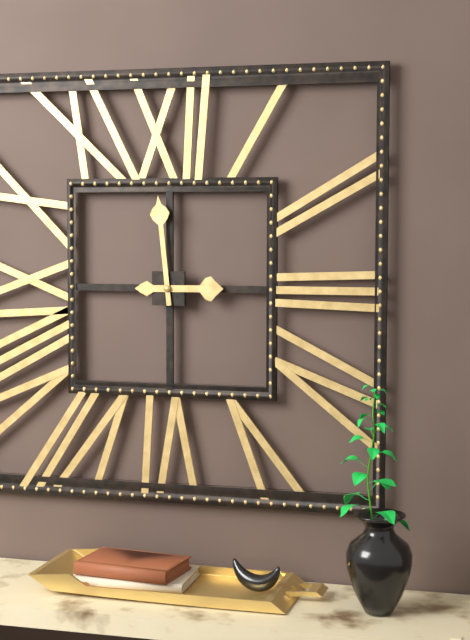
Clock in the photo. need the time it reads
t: 2:59
